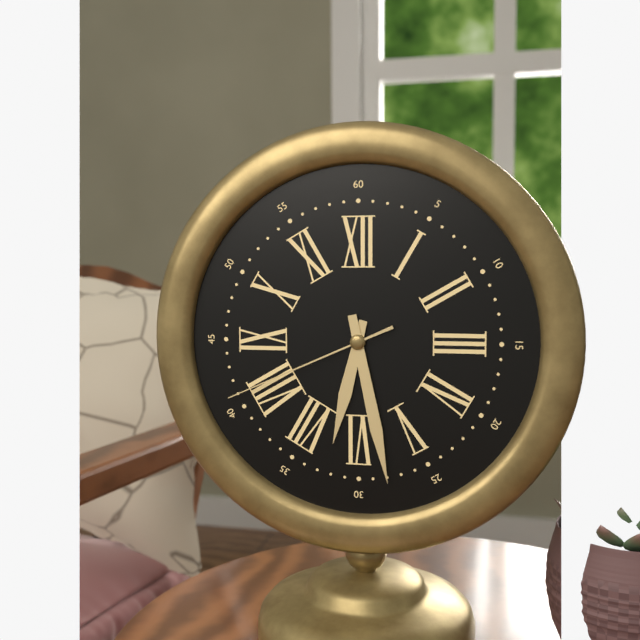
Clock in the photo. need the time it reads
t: 6:28:41
